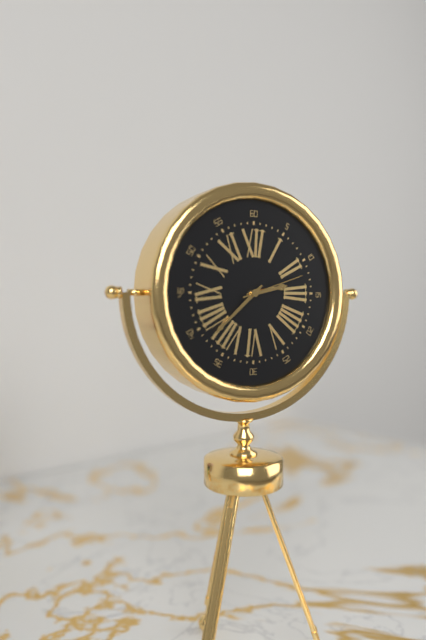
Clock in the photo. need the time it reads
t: 2:38:12
